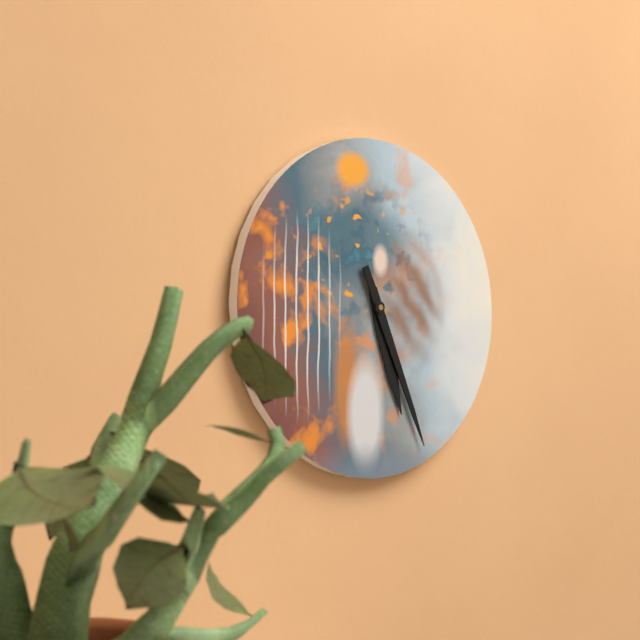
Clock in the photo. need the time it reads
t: 5:26
